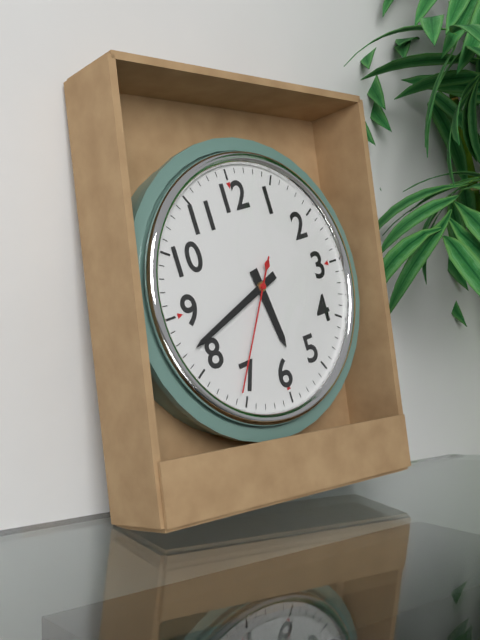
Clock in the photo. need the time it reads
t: 5:42:36
